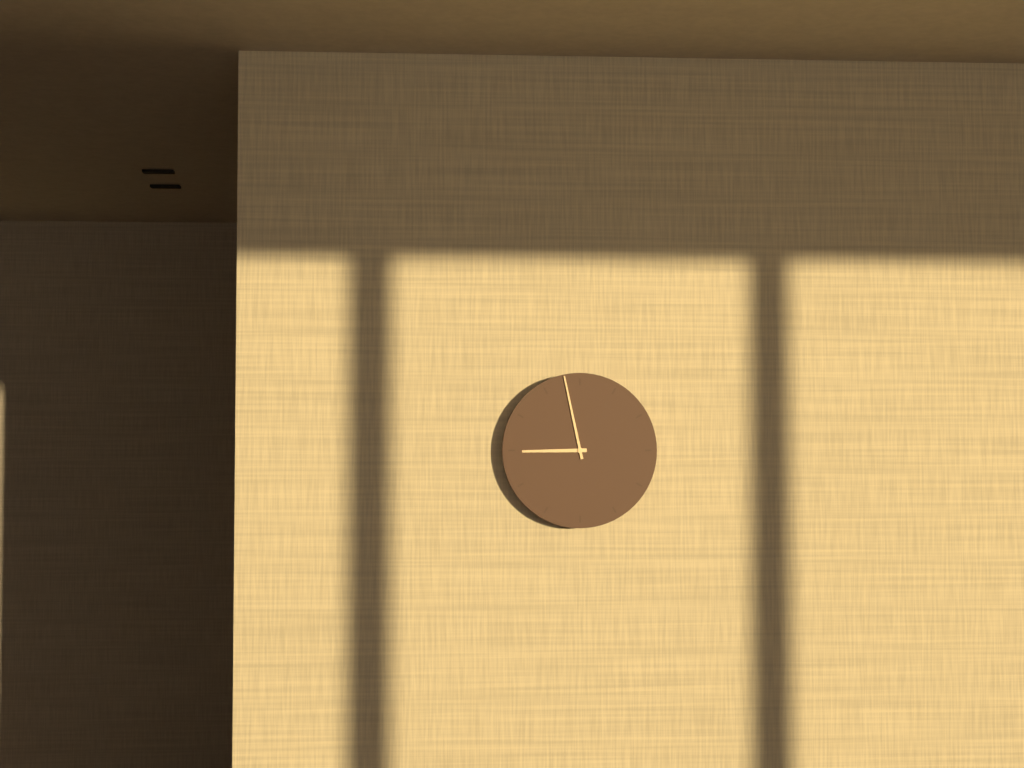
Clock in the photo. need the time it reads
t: 8:58
